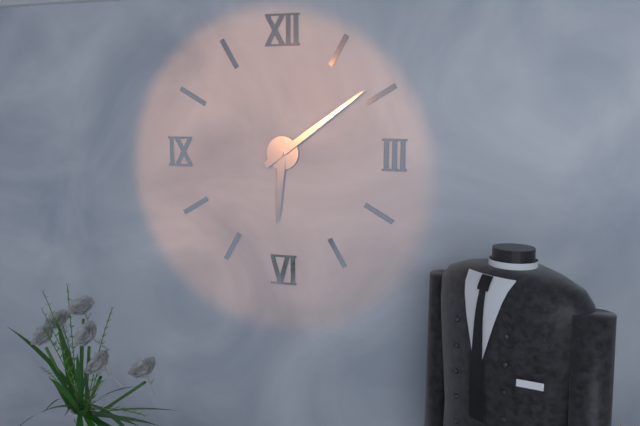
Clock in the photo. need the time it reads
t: 6:09
